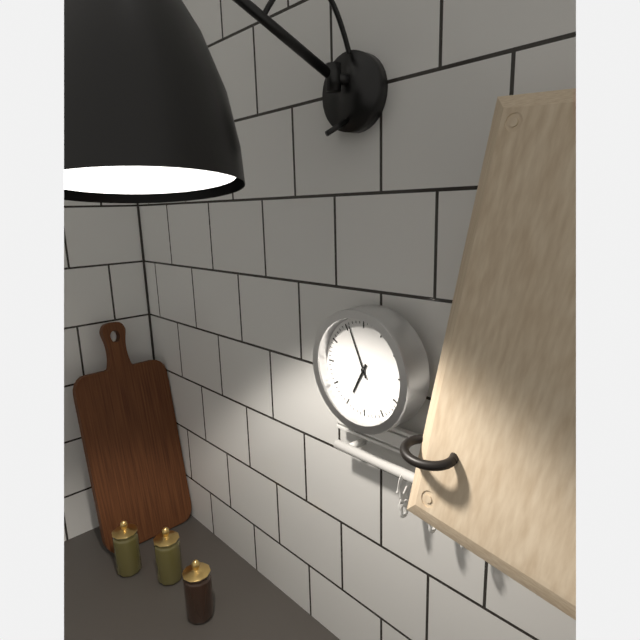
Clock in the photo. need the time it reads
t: 6:56
